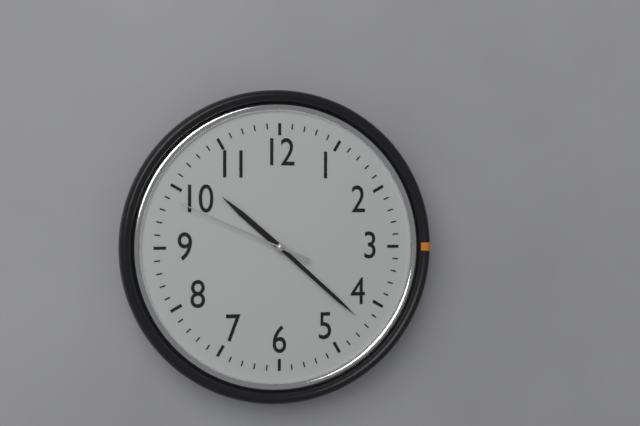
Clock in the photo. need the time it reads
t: 10:22:49
